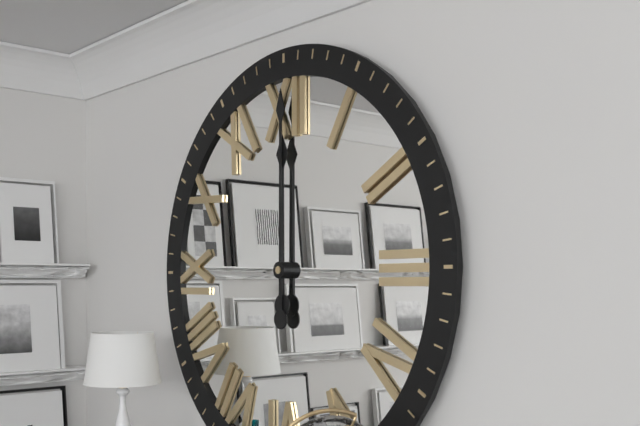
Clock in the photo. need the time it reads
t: 12:00
